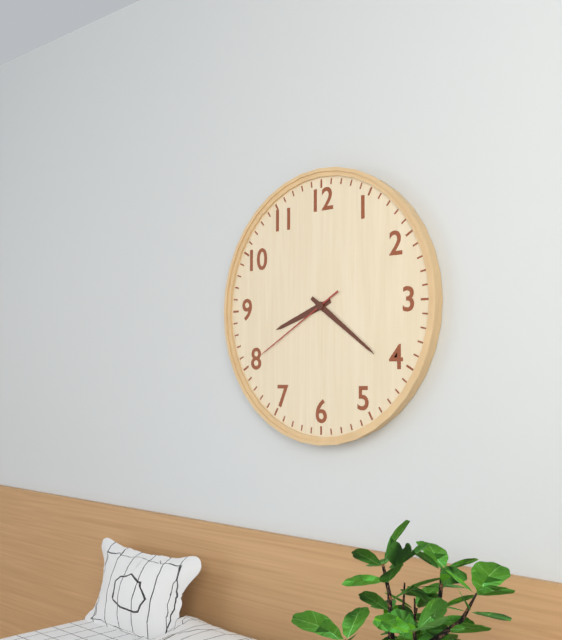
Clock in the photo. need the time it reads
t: 8:21:40
